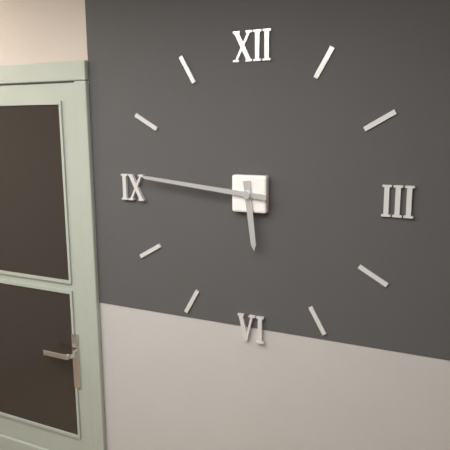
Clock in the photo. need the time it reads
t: 5:46
